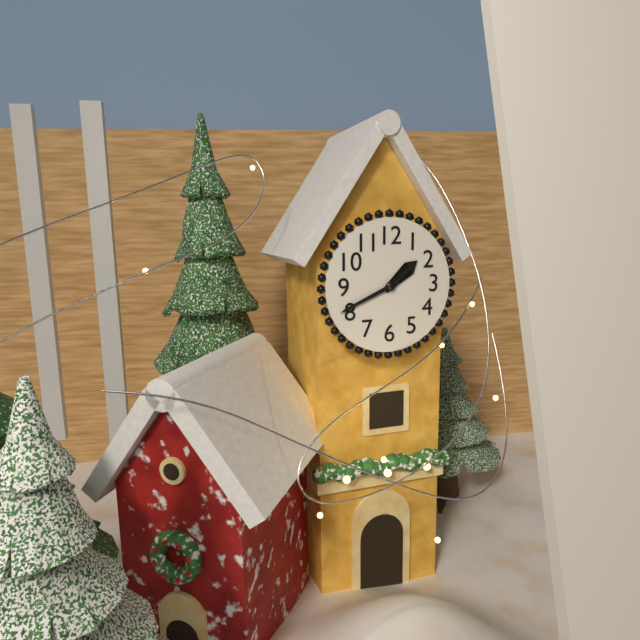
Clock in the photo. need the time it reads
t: 1:41
